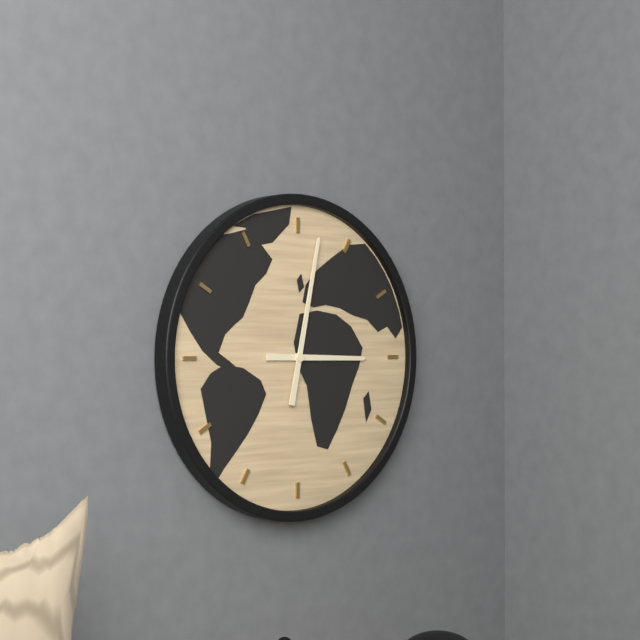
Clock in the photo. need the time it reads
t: 3:02
